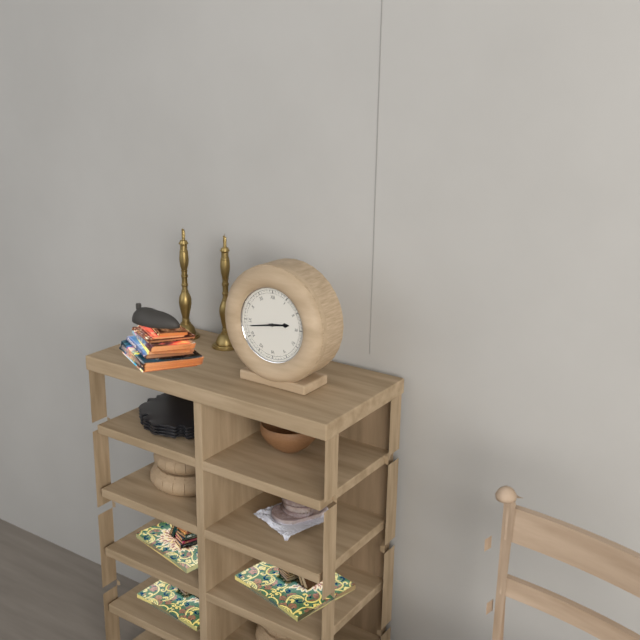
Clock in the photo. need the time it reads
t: 2:43
